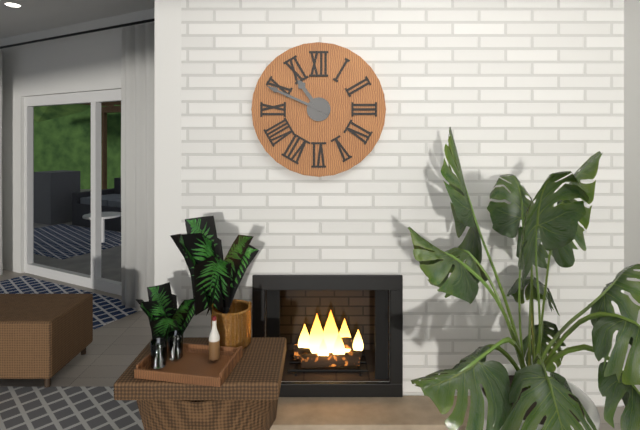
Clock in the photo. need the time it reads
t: 10:49
